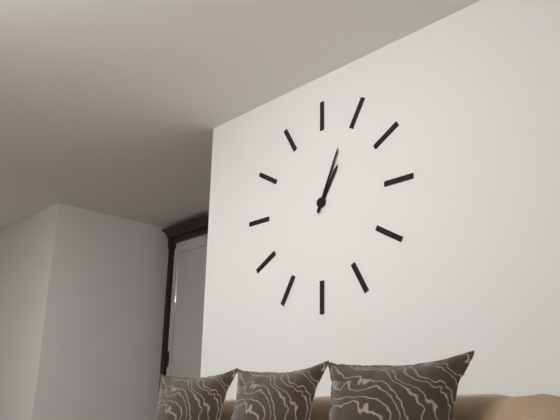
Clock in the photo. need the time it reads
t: 1:04
